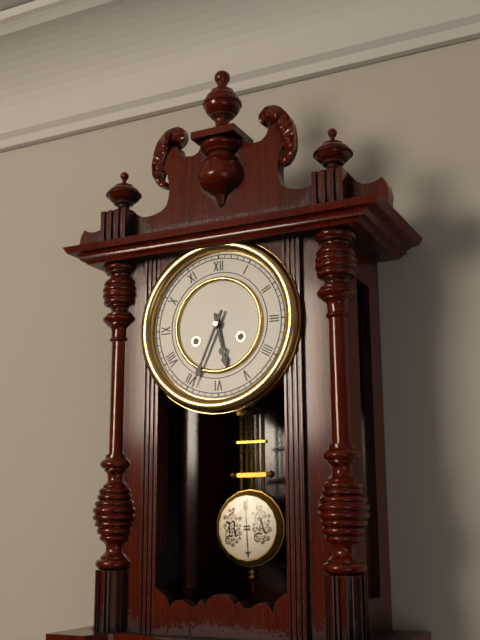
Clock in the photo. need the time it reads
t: 5:34
